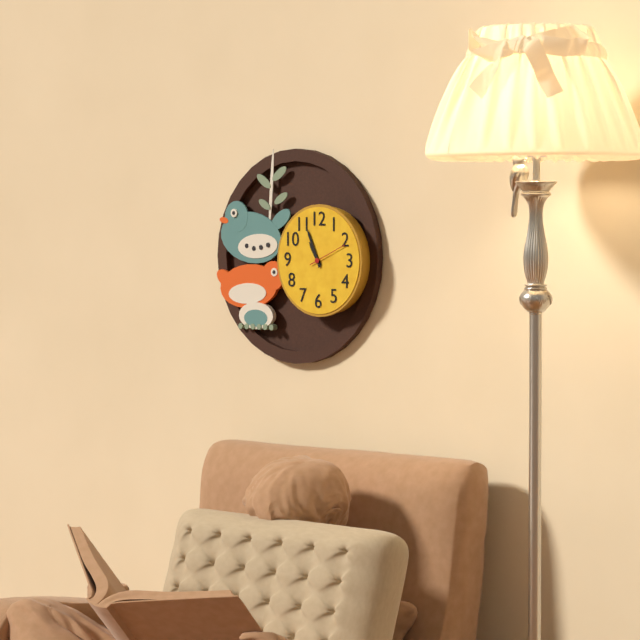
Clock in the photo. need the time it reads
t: 10:56
